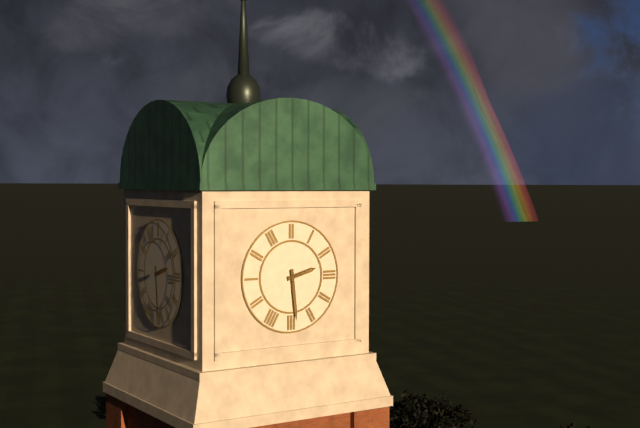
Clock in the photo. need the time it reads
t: 2:29
